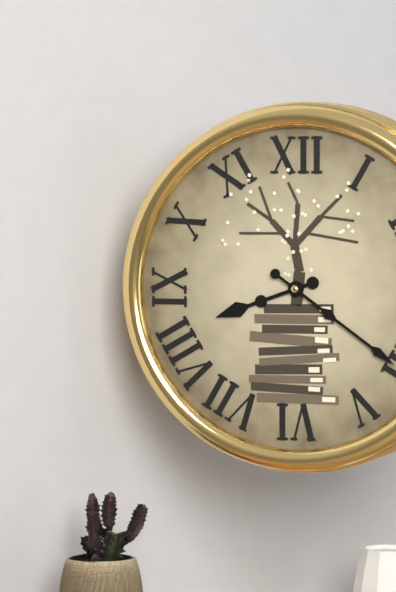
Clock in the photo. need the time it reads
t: 8:21
